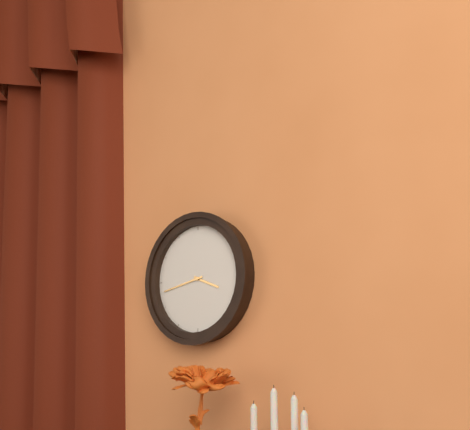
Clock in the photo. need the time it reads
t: 3:43
